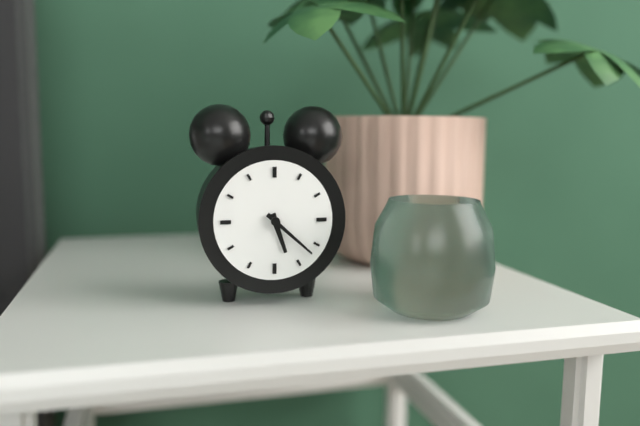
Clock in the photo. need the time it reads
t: 5:22
